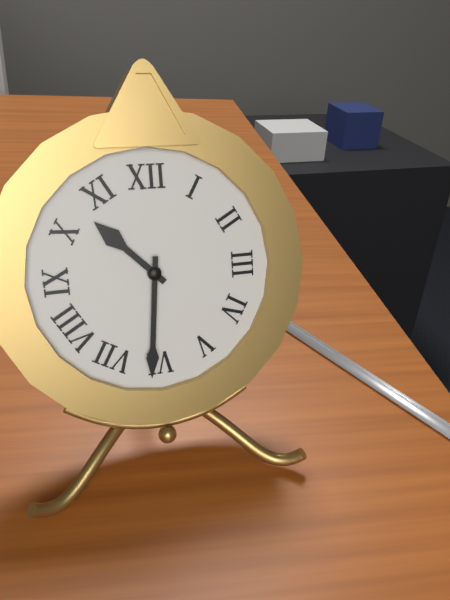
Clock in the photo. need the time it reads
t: 10:31
